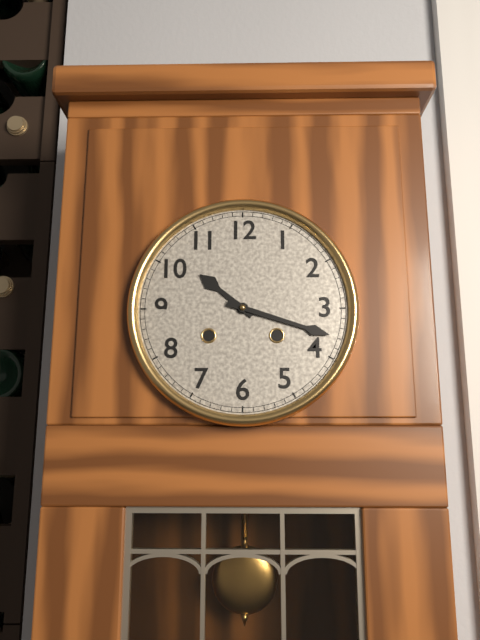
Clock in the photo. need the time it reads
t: 10:18
